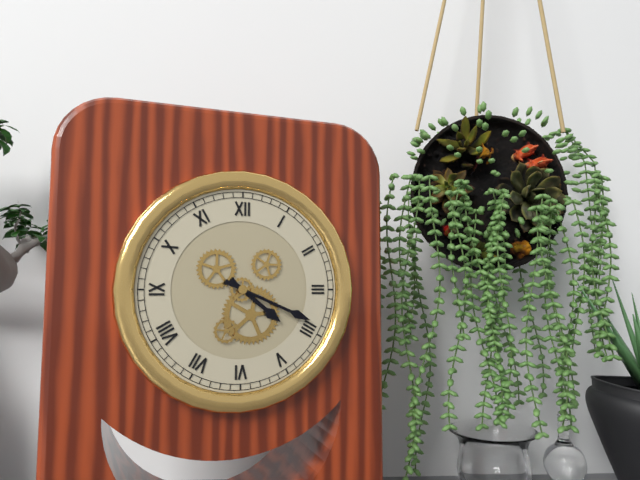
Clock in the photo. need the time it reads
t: 4:19
